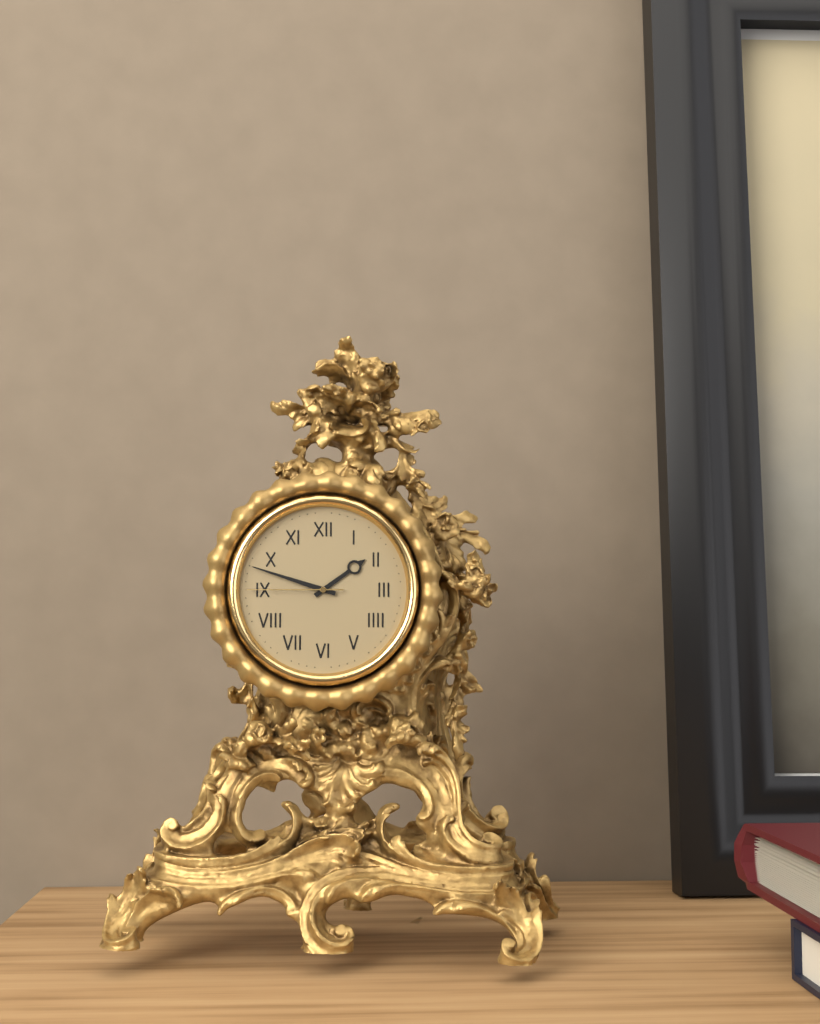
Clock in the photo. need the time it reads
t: 1:48:45
